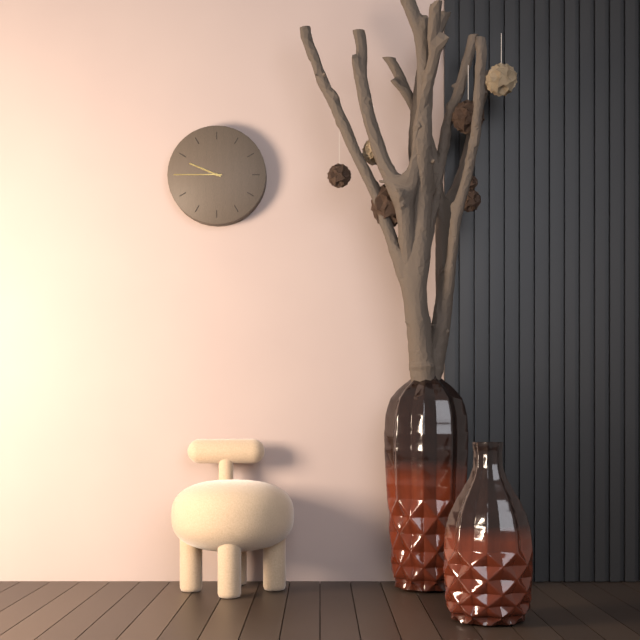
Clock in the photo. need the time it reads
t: 9:45
